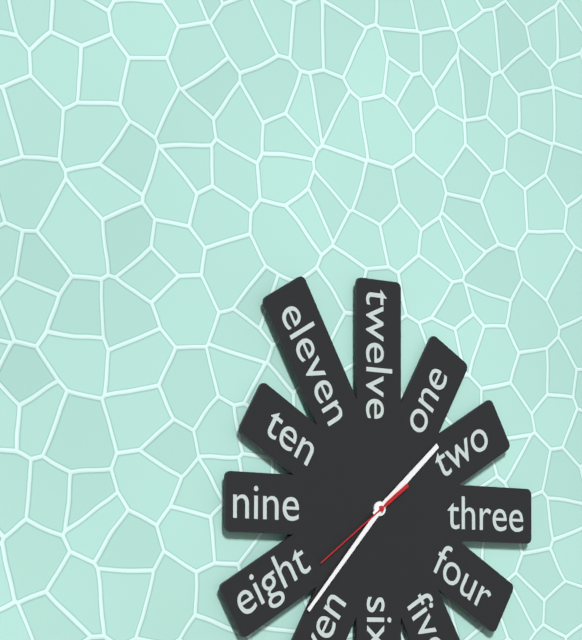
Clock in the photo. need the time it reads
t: 1:37:39
